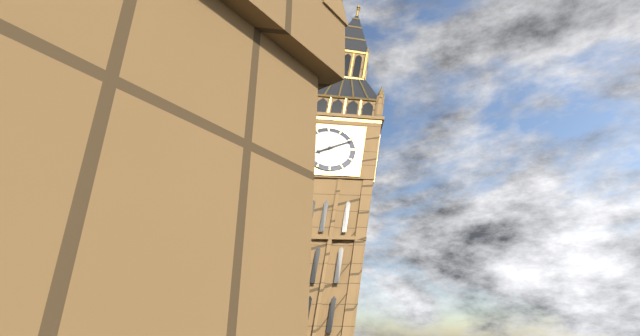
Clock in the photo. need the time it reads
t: 8:11
